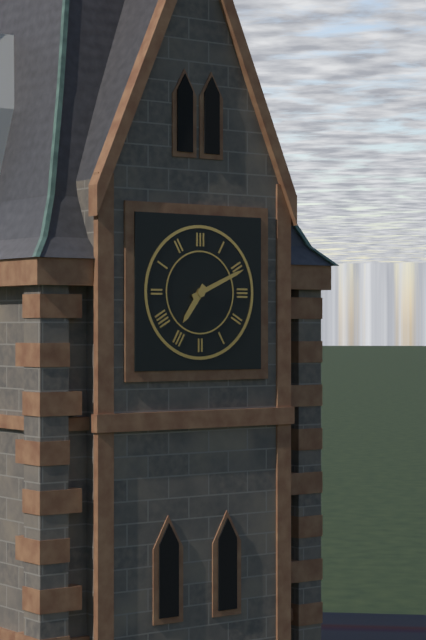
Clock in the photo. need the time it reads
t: 7:11
